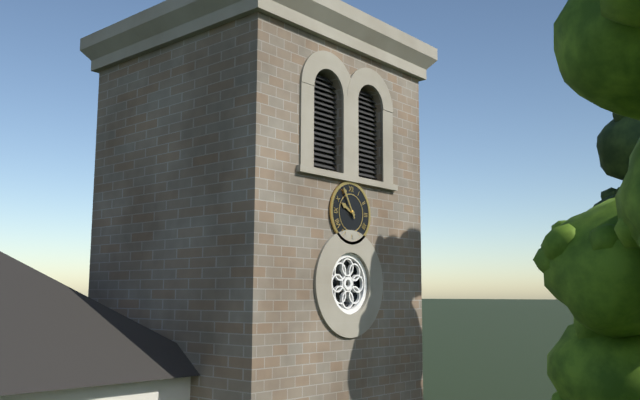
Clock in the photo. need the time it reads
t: 9:55
